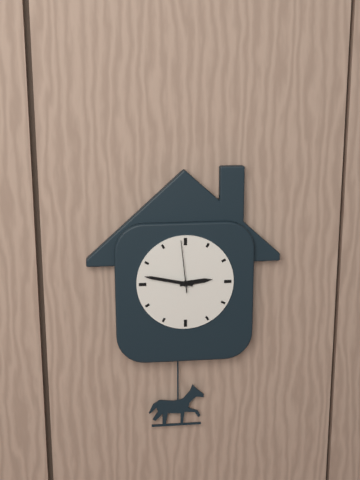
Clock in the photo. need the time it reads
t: 2:47:59
